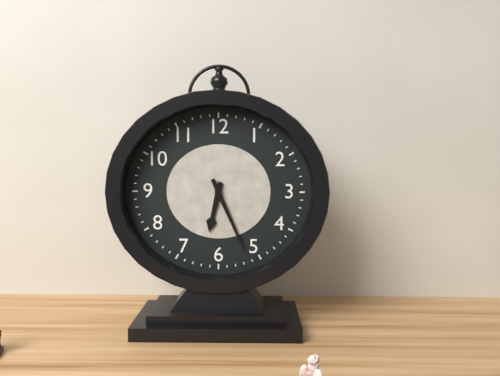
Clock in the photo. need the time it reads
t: 6:26
